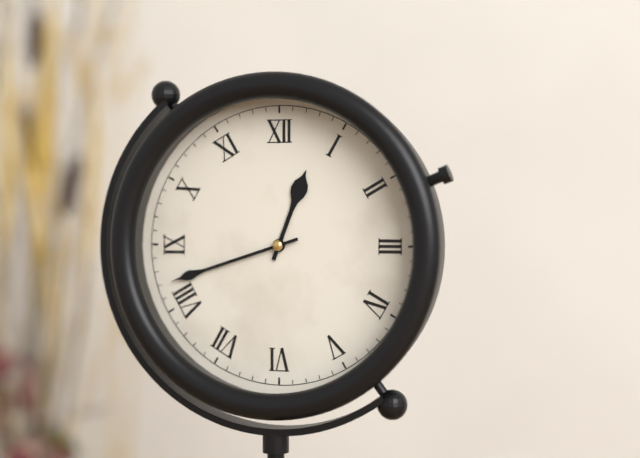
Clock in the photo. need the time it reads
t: 12:42
